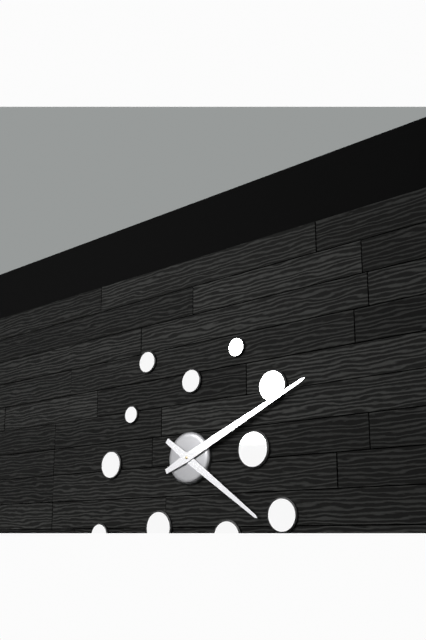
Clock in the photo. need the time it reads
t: 4:11
